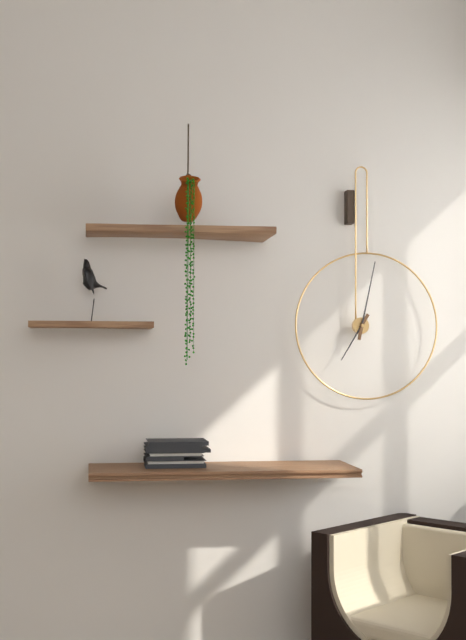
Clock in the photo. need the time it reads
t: 7:02
